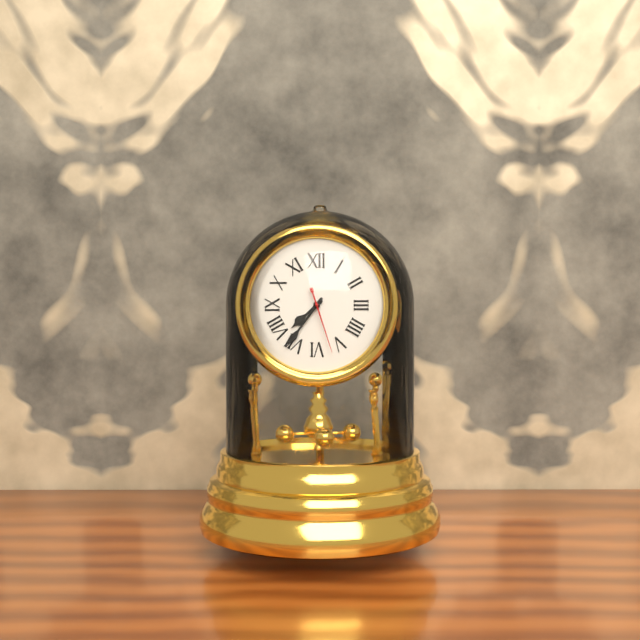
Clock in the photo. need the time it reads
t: 7:36:27
